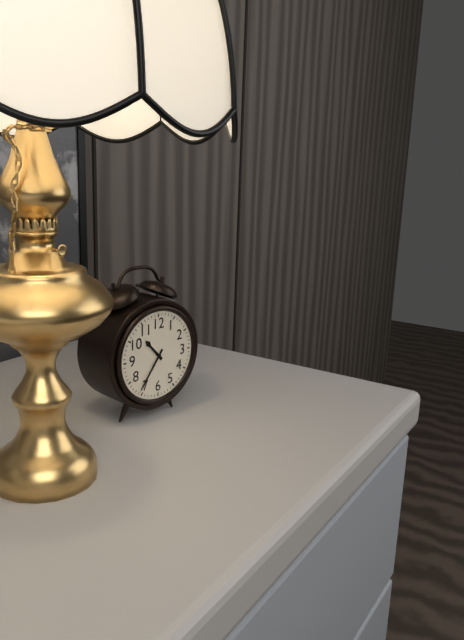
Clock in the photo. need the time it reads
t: 10:36
